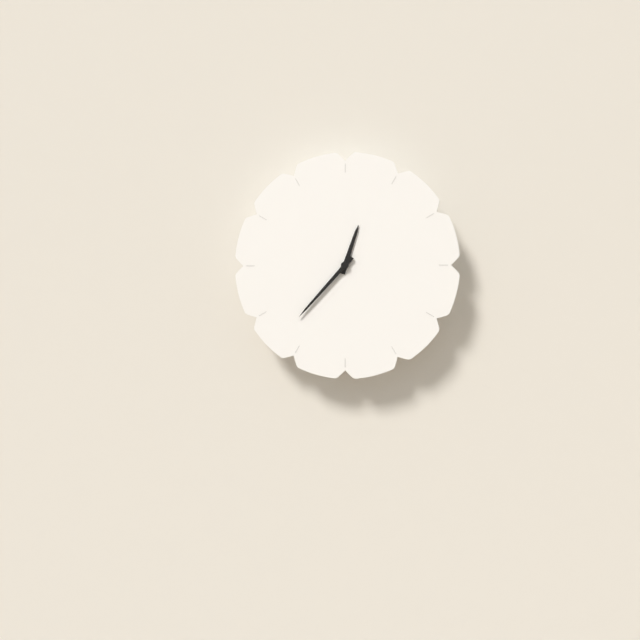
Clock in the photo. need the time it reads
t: 12:37
